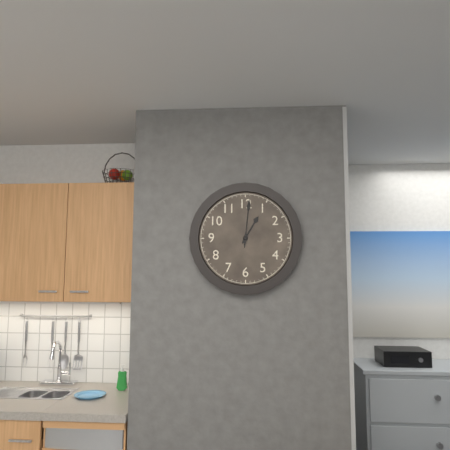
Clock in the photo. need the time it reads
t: 1:01
